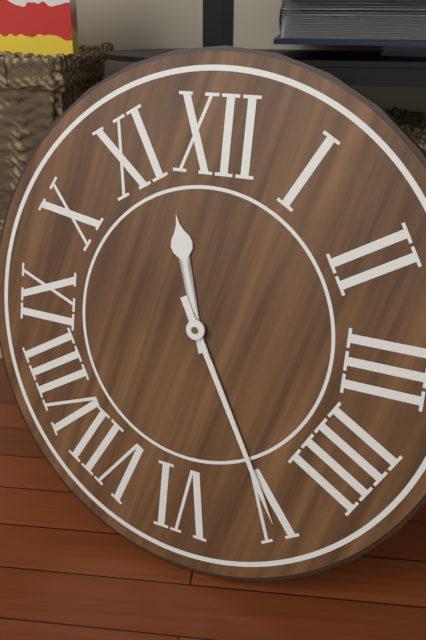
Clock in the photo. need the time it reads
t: 11:25
